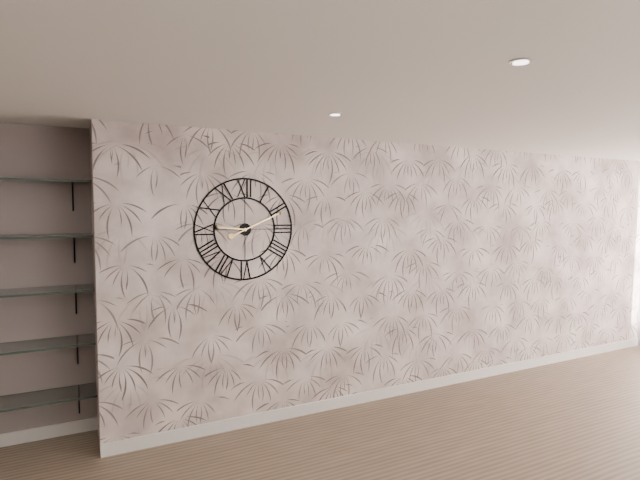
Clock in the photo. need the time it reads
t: 9:11
